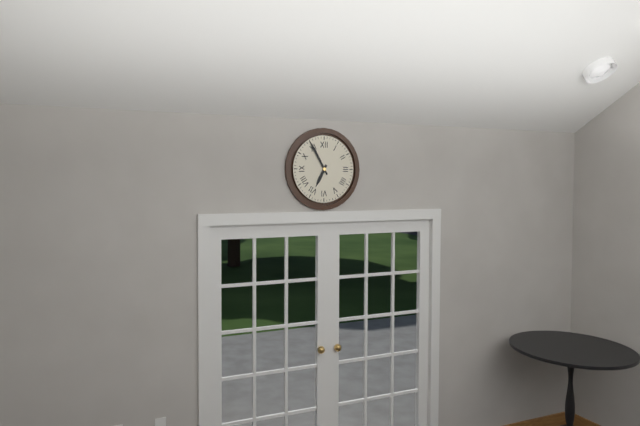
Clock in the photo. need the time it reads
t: 6:55
